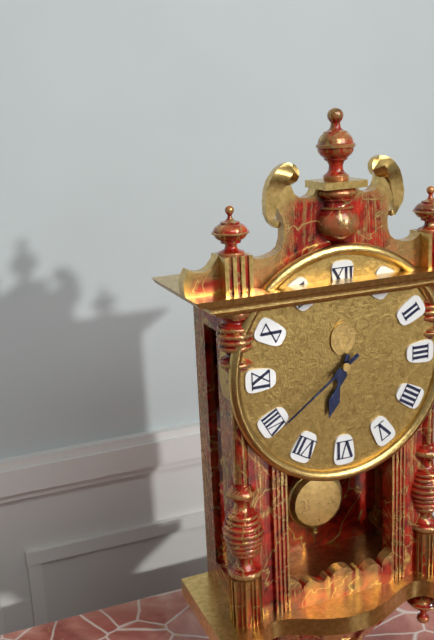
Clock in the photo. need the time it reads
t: 6:39
